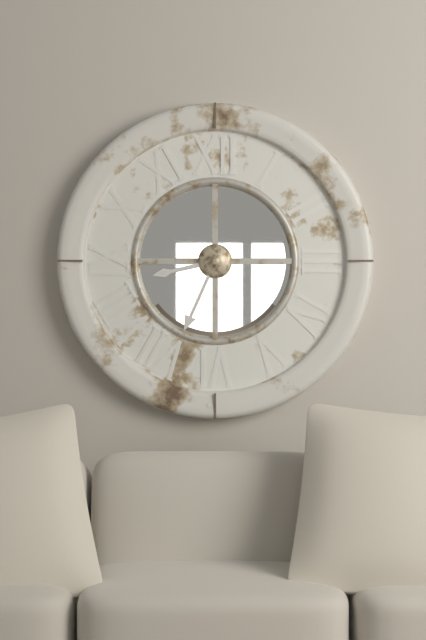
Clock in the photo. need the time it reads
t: 8:34
